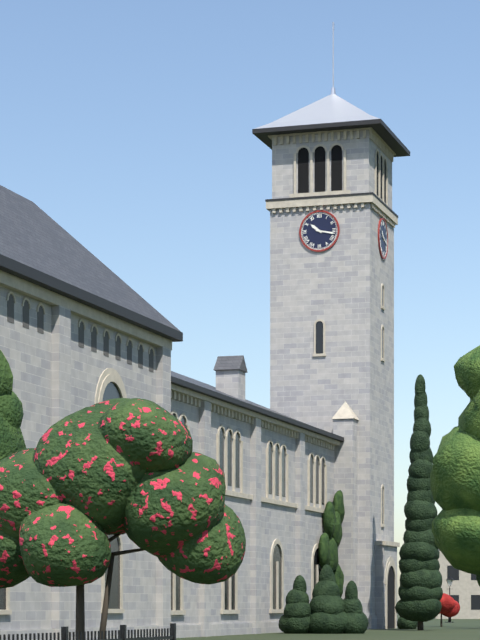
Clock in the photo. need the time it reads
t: 10:17
